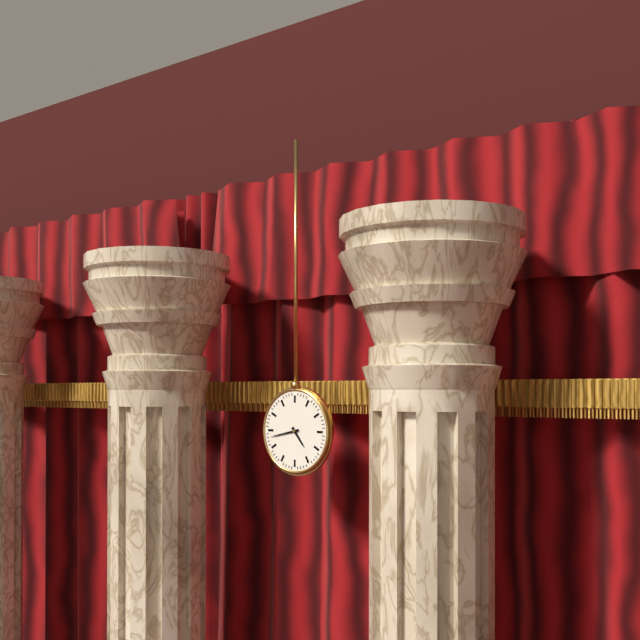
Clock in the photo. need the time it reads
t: 4:43
